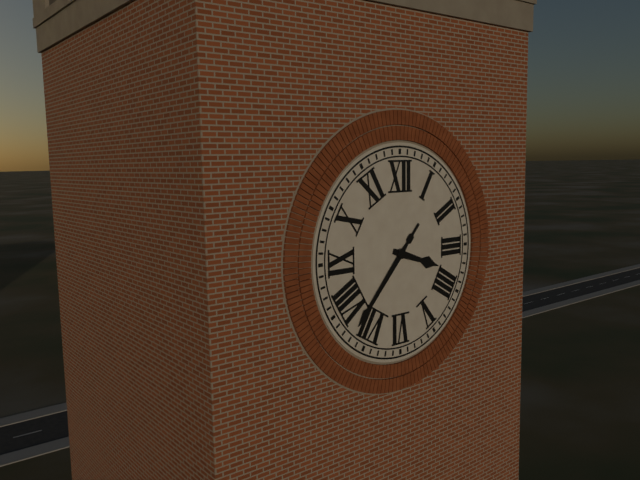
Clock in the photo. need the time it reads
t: 3:37
